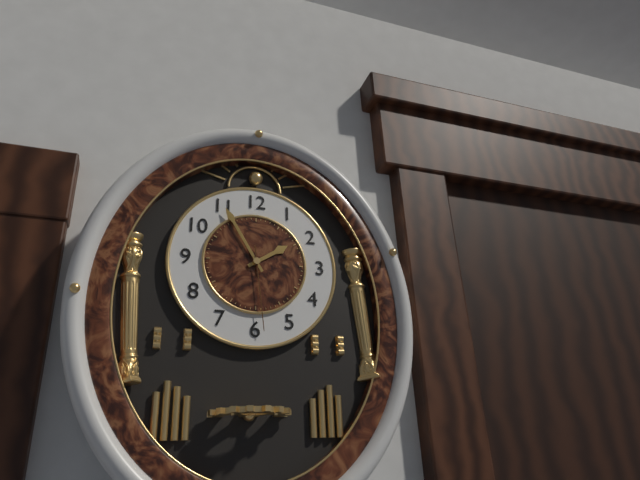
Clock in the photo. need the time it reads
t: 1:55:29
